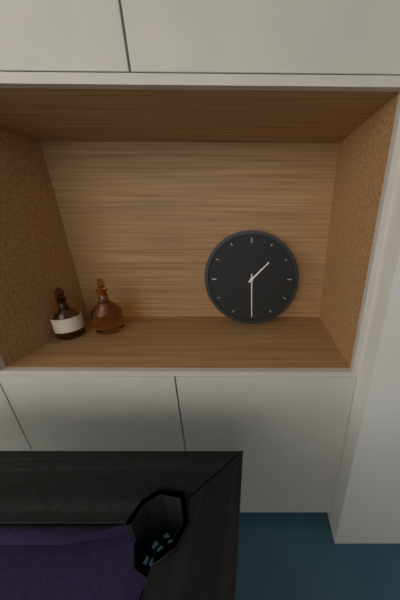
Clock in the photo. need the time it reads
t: 1:30
